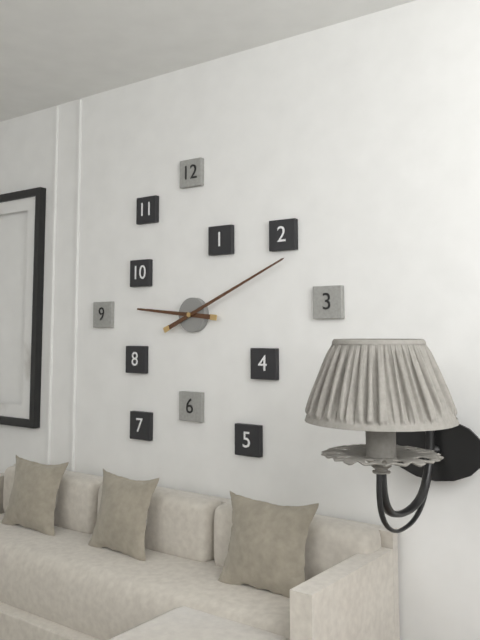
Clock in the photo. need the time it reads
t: 9:11
